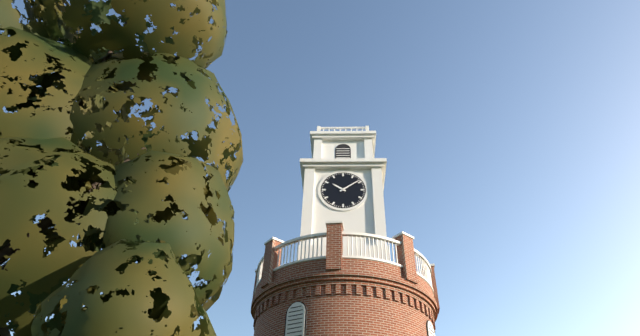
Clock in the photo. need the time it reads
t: 10:09
